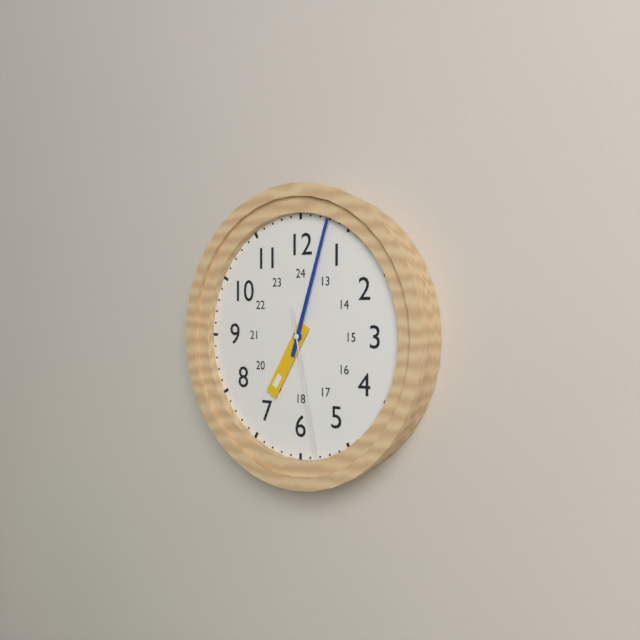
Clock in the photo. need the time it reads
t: 7:03:28
